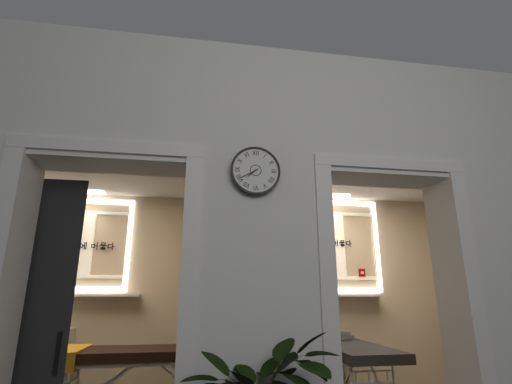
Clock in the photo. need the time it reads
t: 7:40
